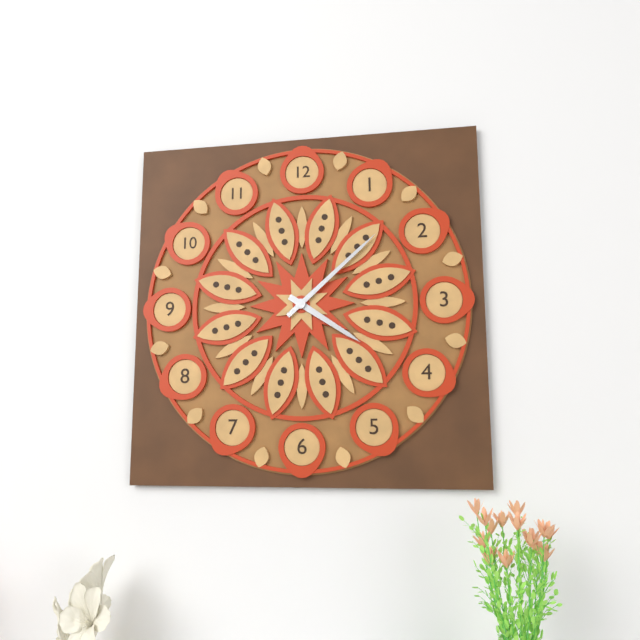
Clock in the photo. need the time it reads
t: 4:08
